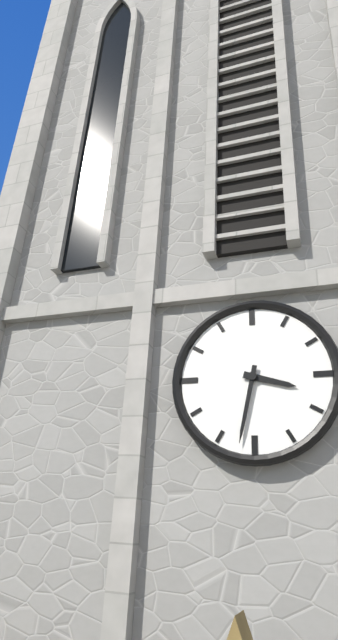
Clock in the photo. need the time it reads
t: 3:32
